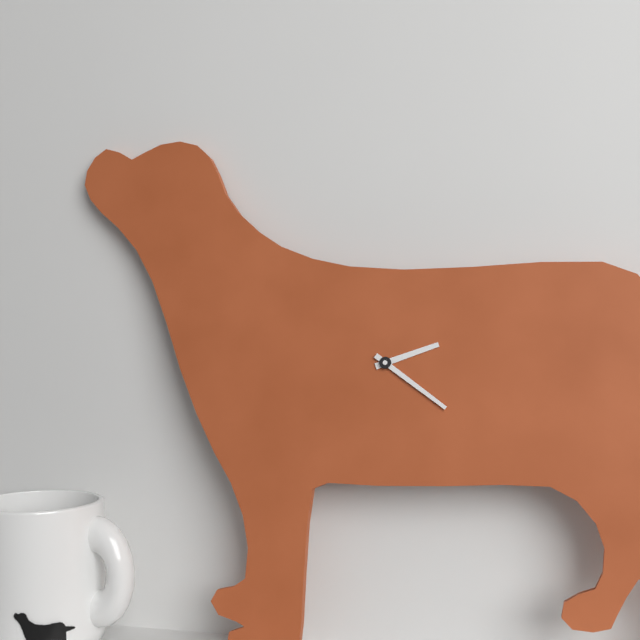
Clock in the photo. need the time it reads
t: 2:21
